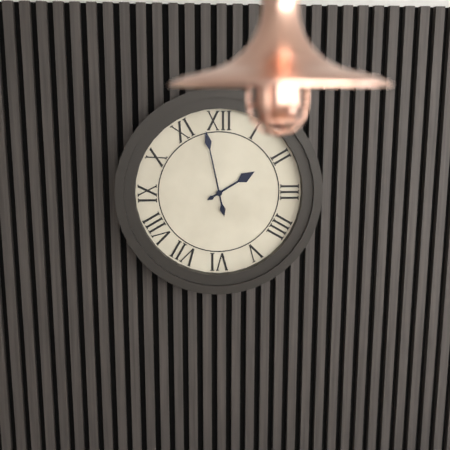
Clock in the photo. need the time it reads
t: 1:58
